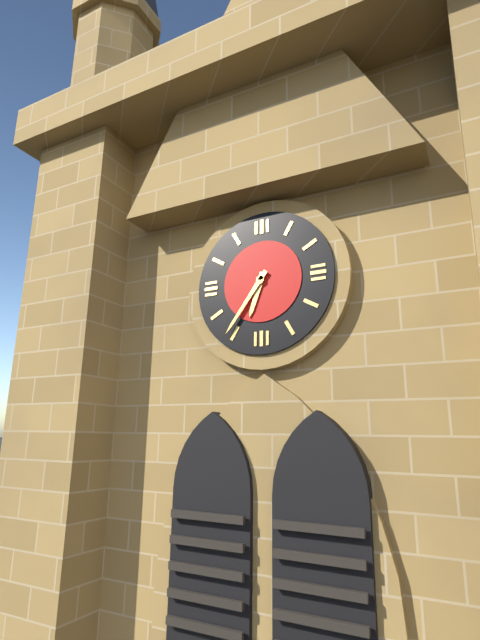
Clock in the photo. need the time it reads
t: 6:36
